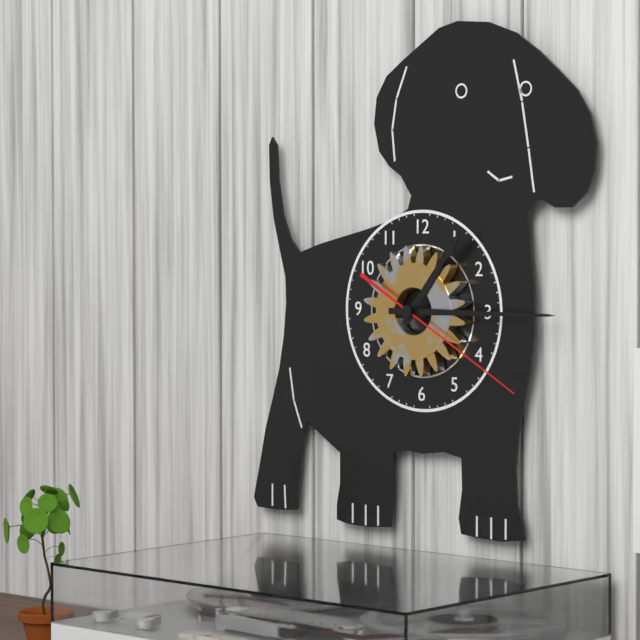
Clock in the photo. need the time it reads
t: 1:15:20
